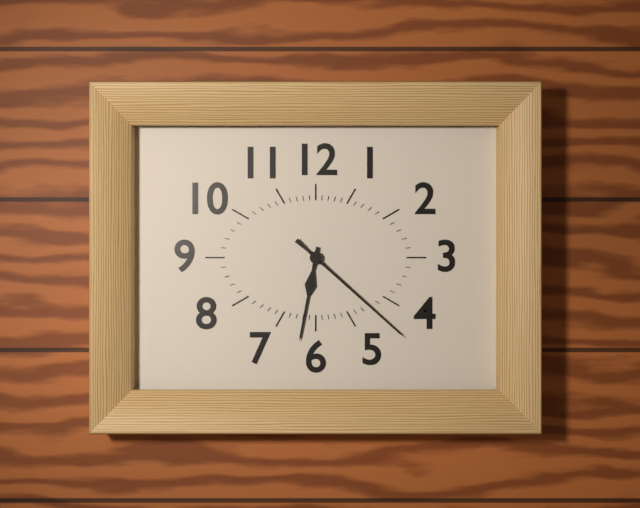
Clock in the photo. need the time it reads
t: 6:22
